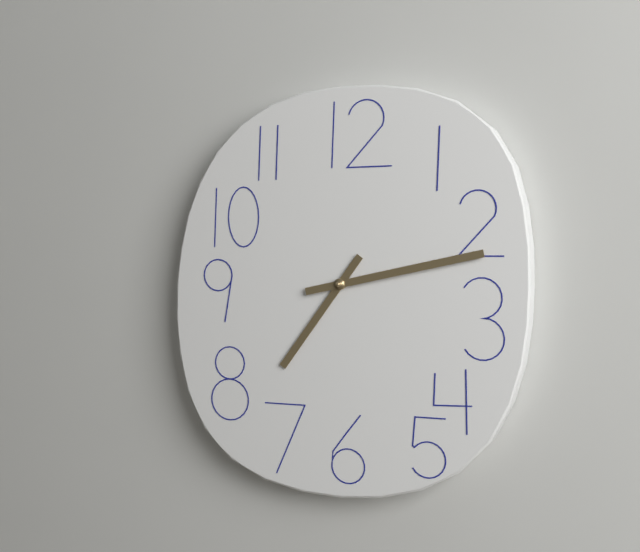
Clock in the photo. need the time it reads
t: 7:13
